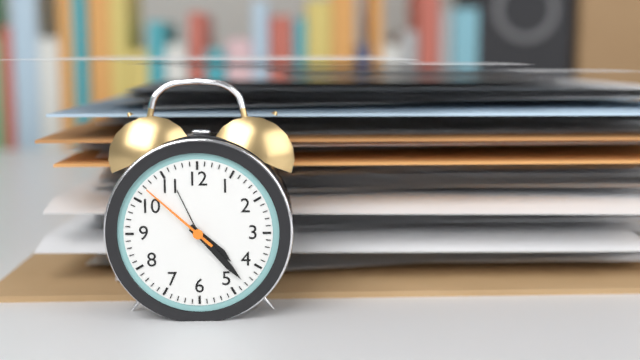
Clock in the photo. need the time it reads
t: 4:23:52
